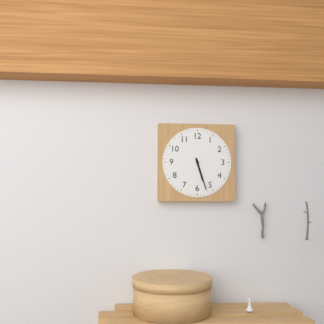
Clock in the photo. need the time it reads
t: 5:27
